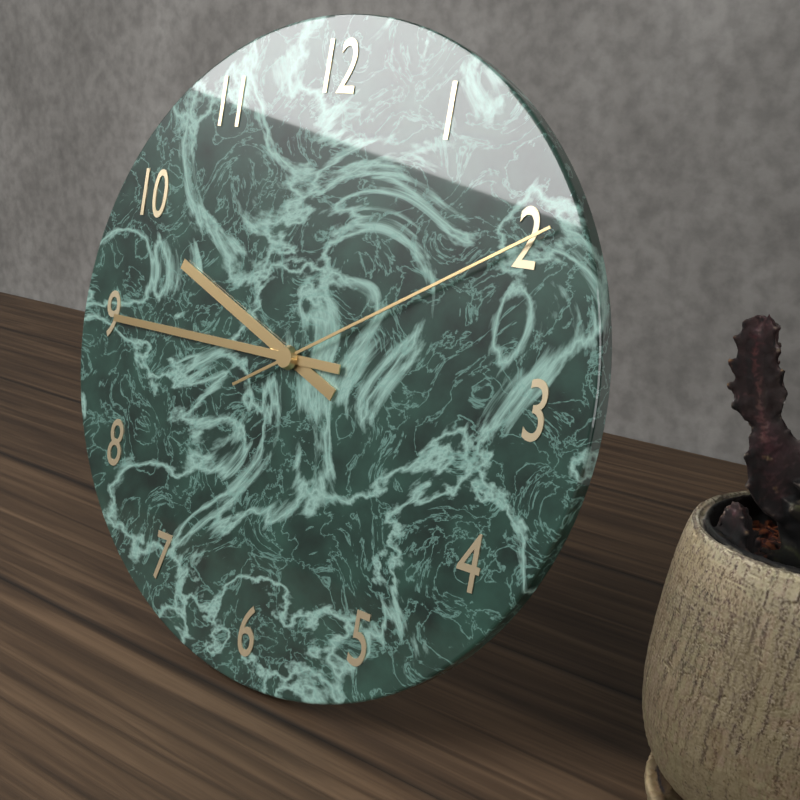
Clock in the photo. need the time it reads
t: 9:45:10
